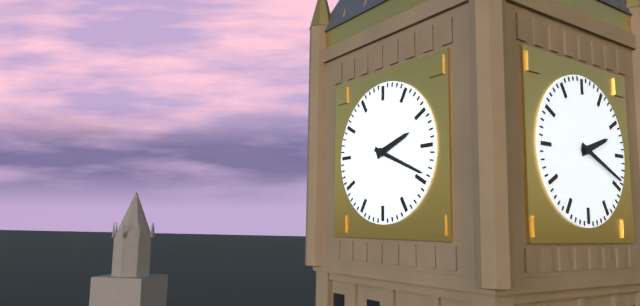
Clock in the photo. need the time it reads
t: 2:19
